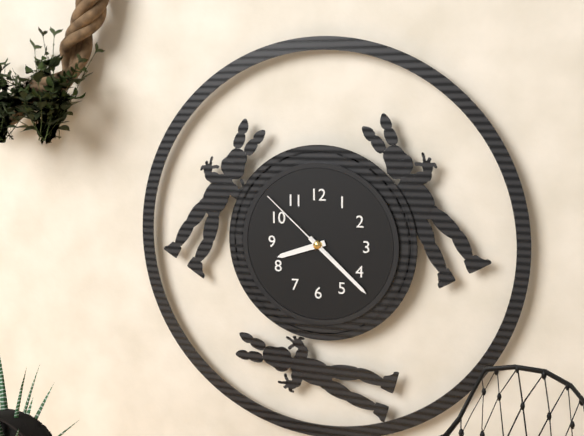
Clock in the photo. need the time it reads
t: 8:22:52
